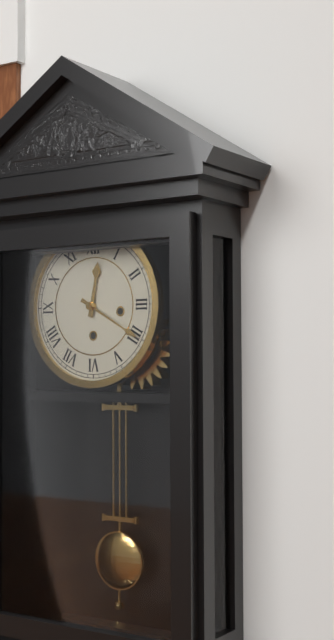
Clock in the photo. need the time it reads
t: 12:20
